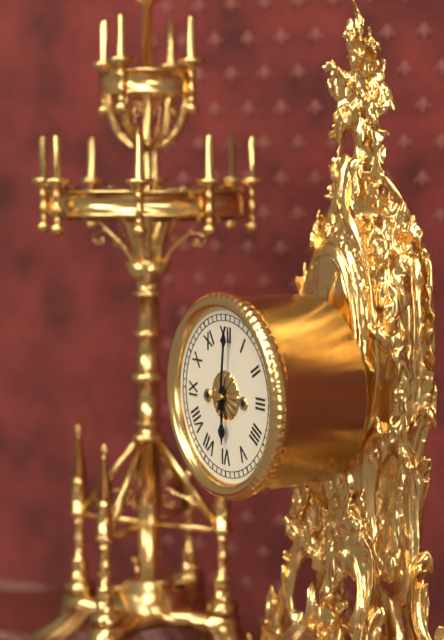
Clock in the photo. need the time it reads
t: 6:01
